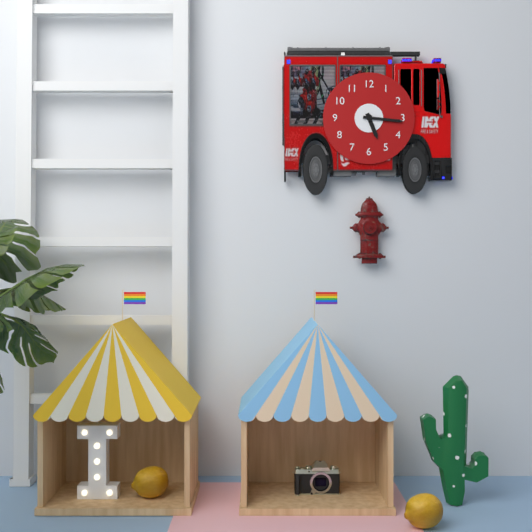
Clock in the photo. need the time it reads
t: 5:16
